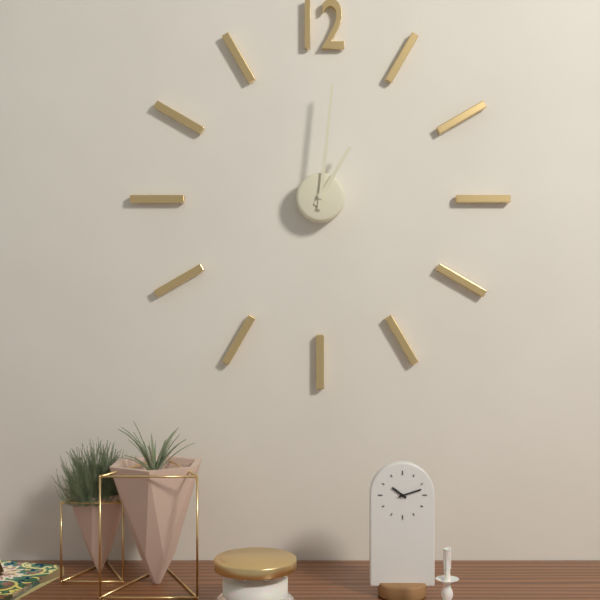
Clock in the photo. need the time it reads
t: 1:01
